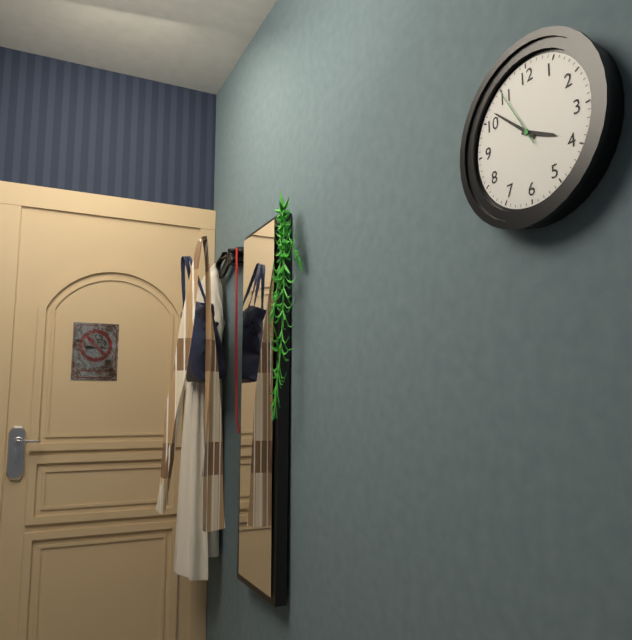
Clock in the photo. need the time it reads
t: 3:52:55
